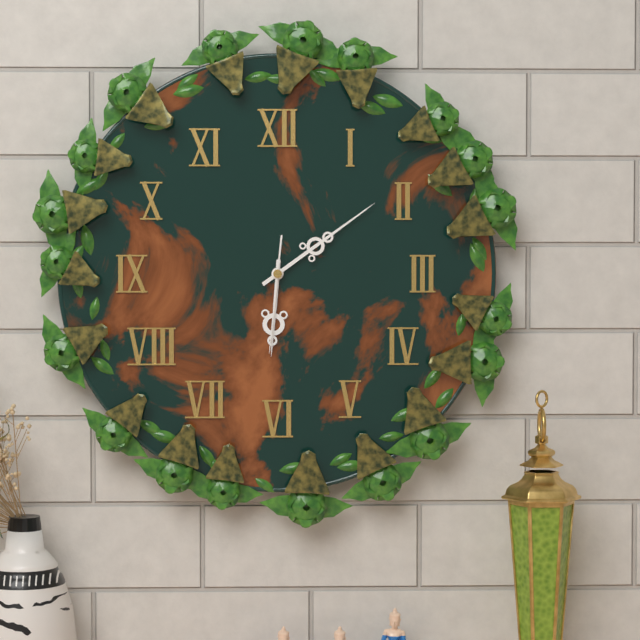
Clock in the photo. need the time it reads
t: 6:09:31
